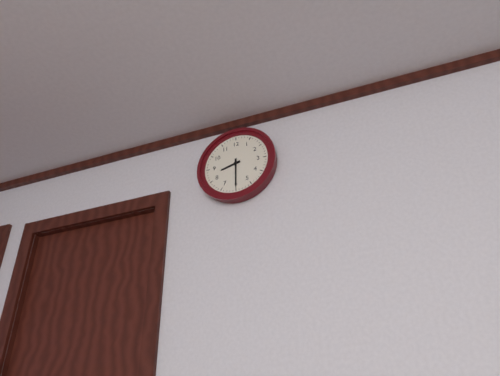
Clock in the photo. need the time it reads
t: 8:30
